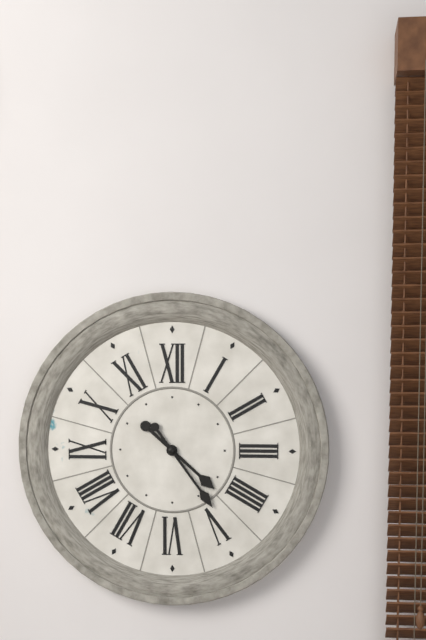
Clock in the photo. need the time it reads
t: 4:24
